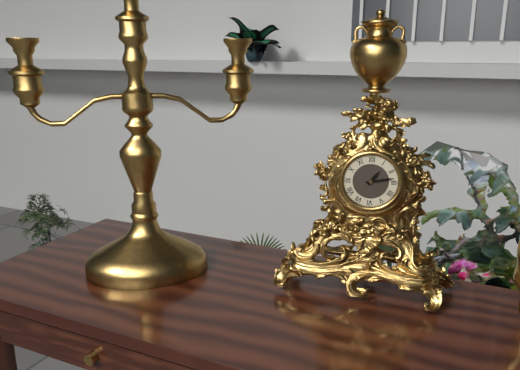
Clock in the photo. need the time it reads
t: 1:13
